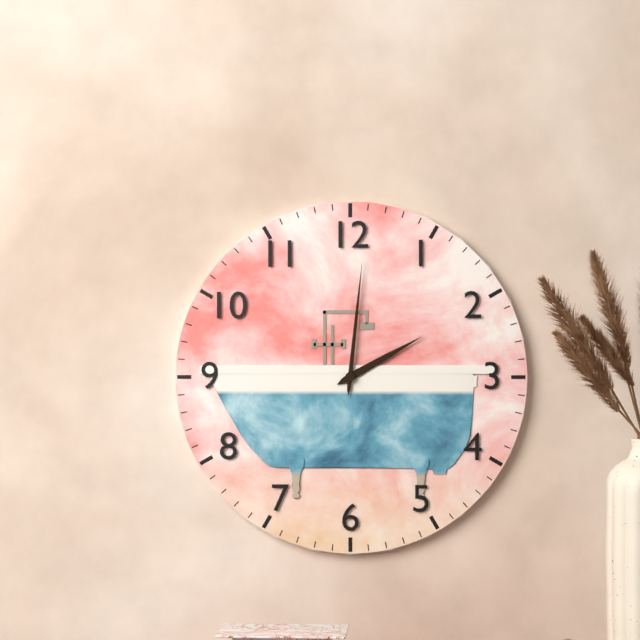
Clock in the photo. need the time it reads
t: 2:01
